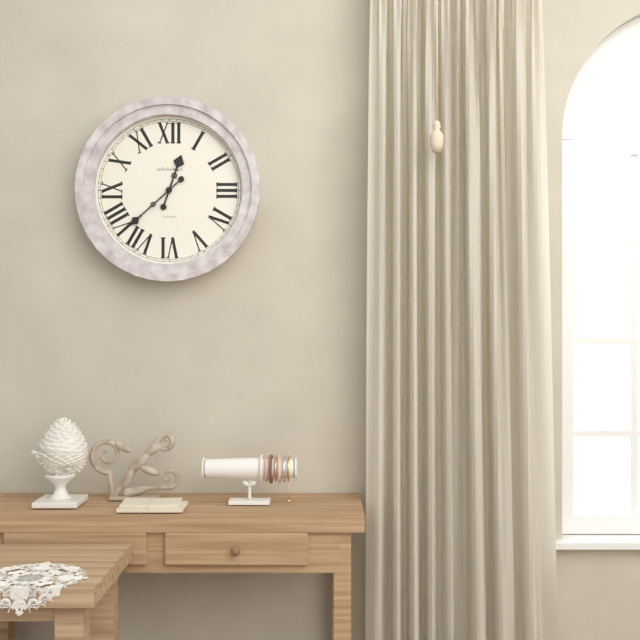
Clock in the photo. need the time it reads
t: 12:38
